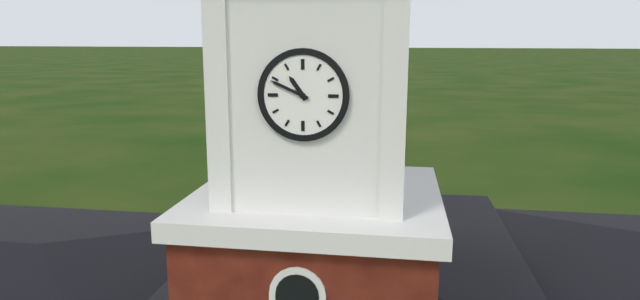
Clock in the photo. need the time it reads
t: 10:49
